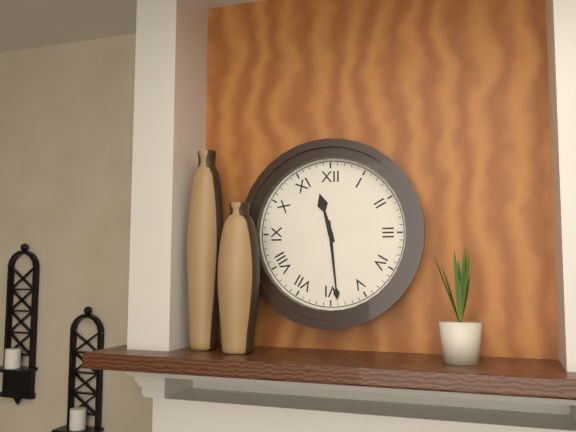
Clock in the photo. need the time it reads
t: 11:29
